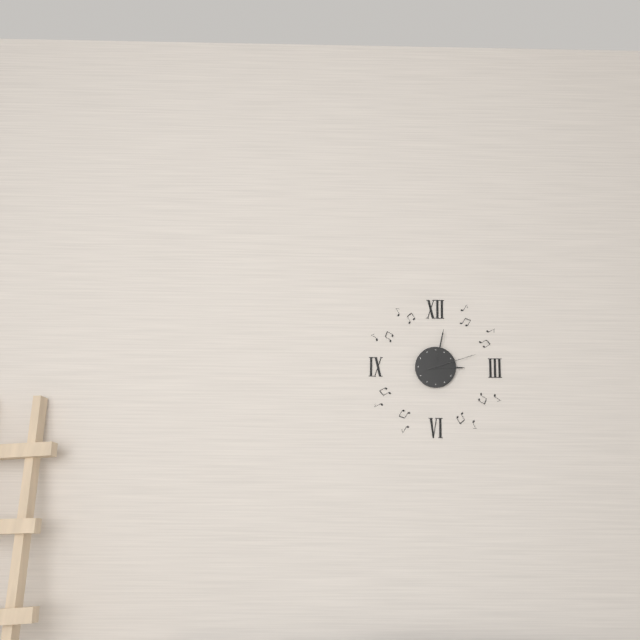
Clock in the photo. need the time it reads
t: 3:02:12
